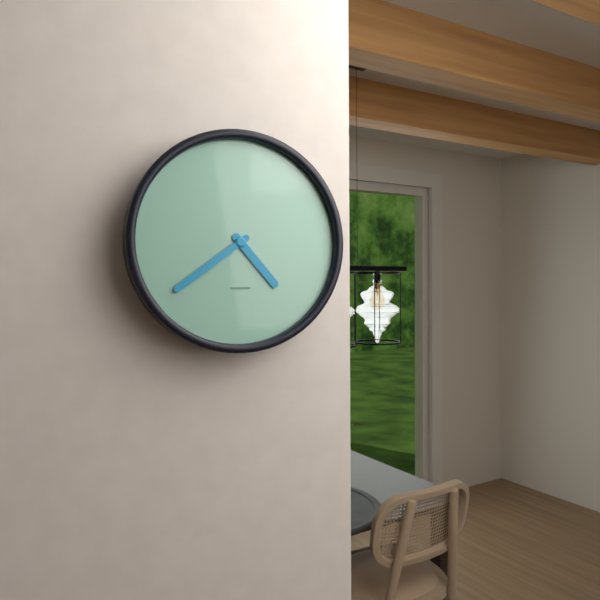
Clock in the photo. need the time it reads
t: 4:39
